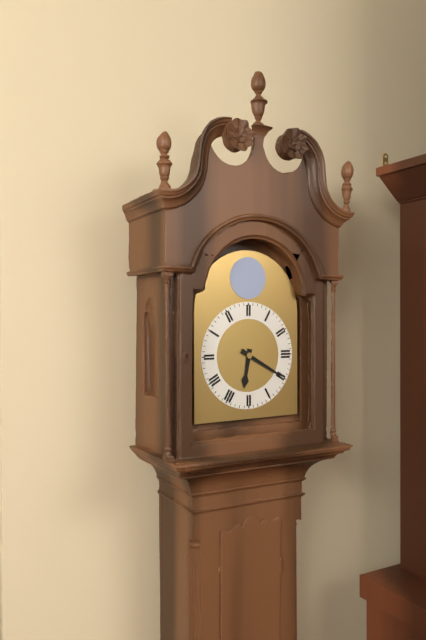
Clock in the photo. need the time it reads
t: 6:20
